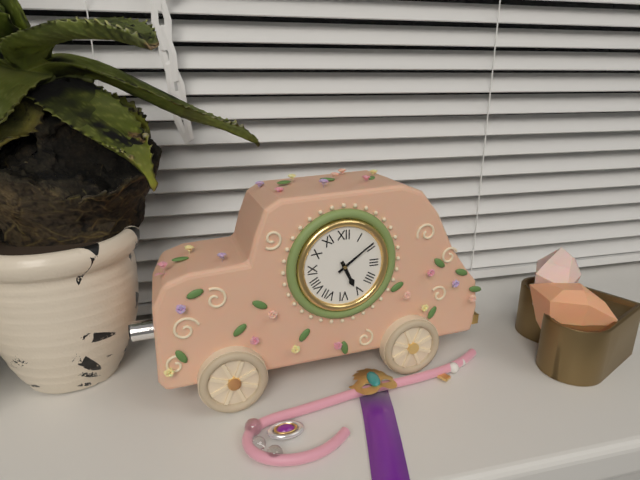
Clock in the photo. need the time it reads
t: 5:09
